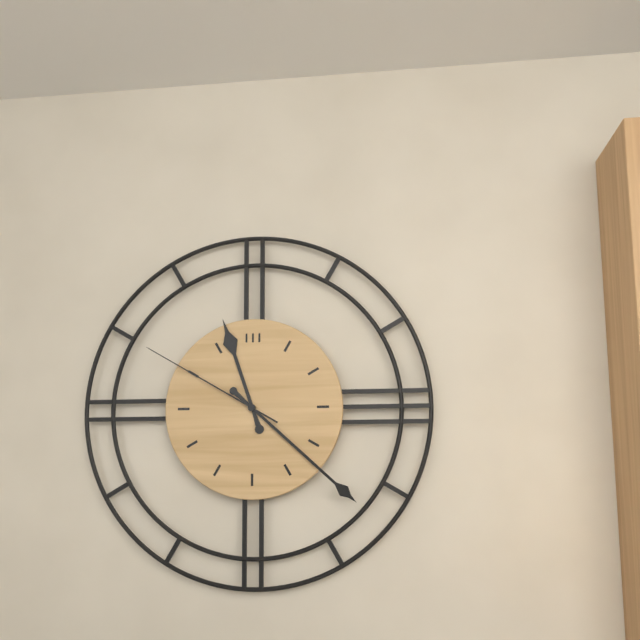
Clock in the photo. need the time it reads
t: 11:22:50
